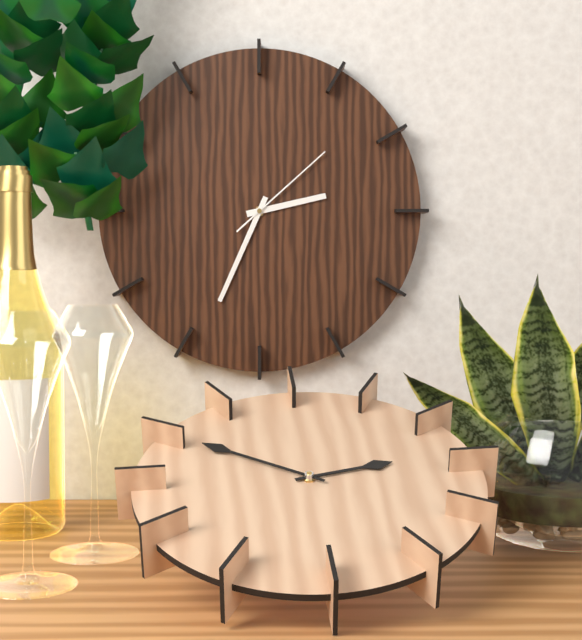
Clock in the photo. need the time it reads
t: 2:34:08
